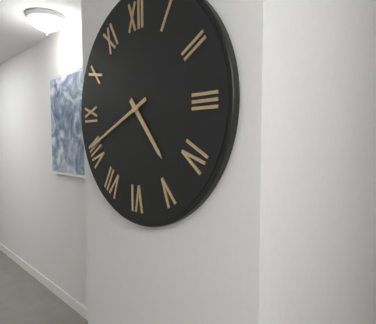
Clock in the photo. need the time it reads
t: 4:41
